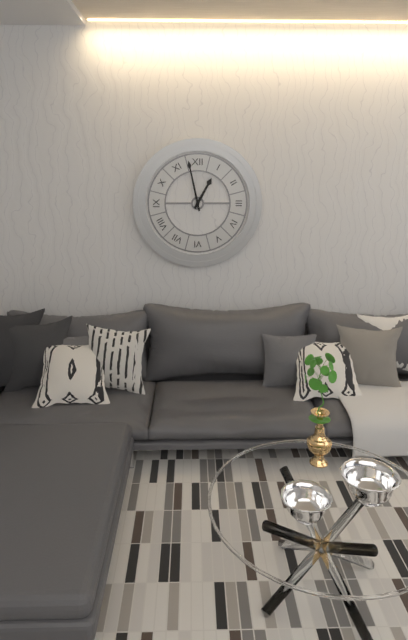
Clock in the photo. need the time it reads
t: 12:58
